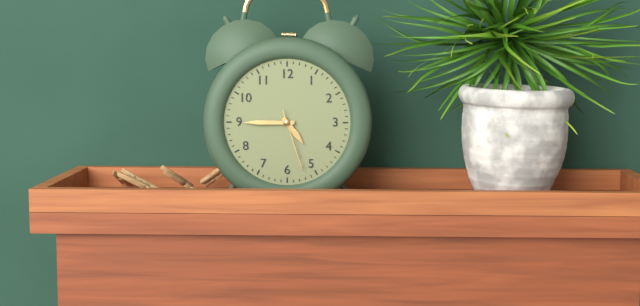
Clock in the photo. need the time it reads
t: 4:45:27
